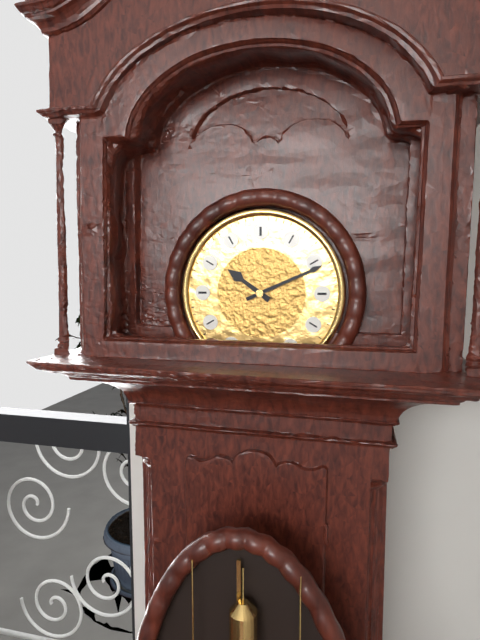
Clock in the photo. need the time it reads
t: 10:11
